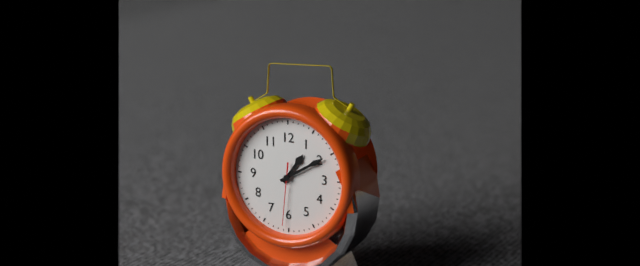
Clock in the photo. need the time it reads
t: 1:10:31
